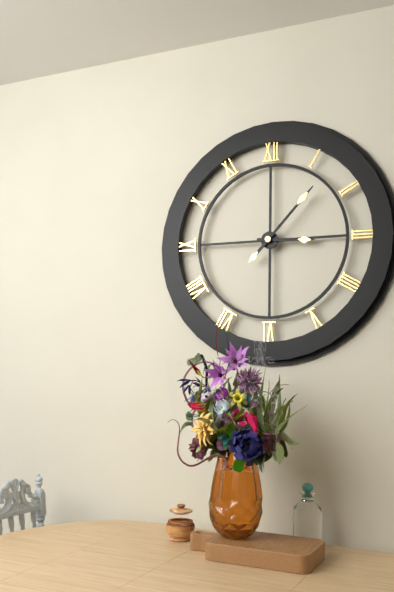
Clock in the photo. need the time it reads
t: 3:07
